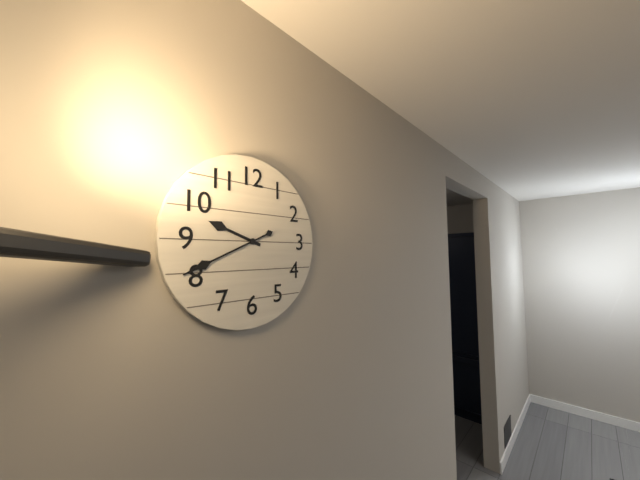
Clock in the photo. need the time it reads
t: 9:41
